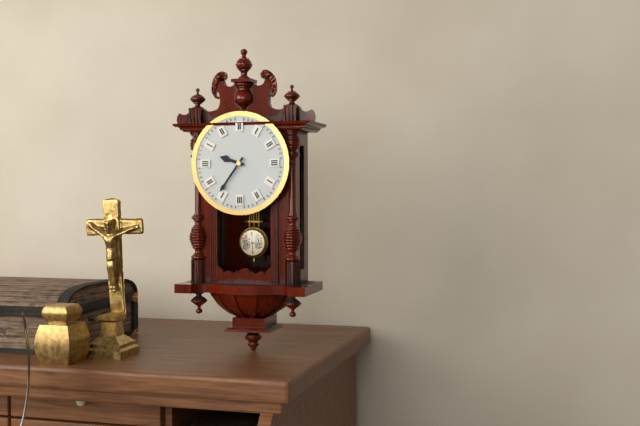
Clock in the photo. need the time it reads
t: 9:36
